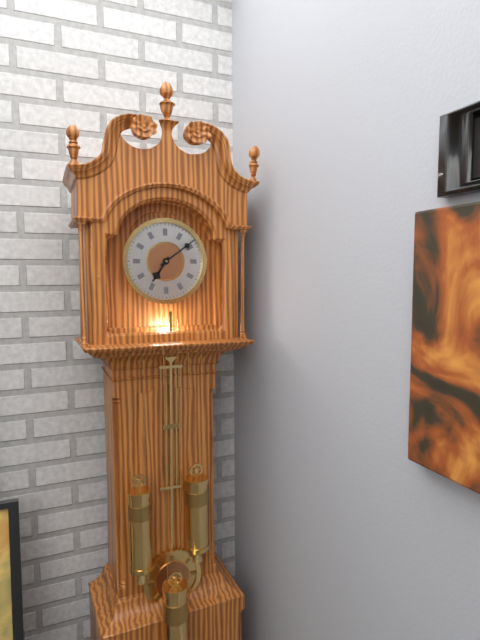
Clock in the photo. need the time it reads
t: 7:09
